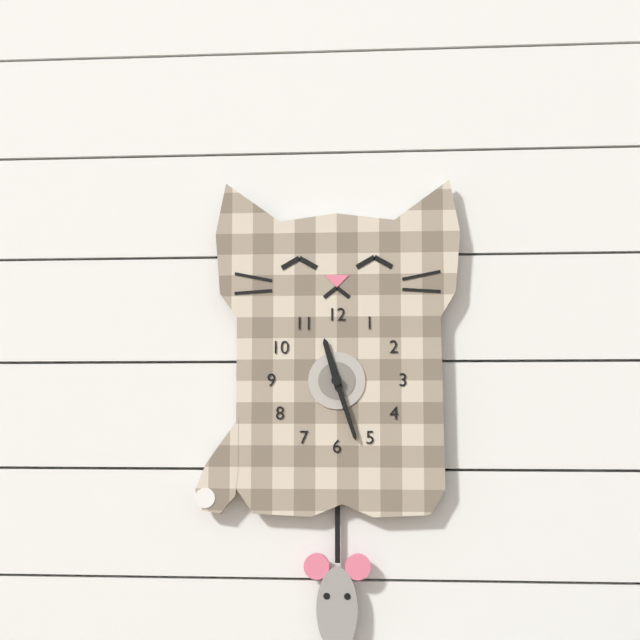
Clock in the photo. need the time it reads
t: 11:27
